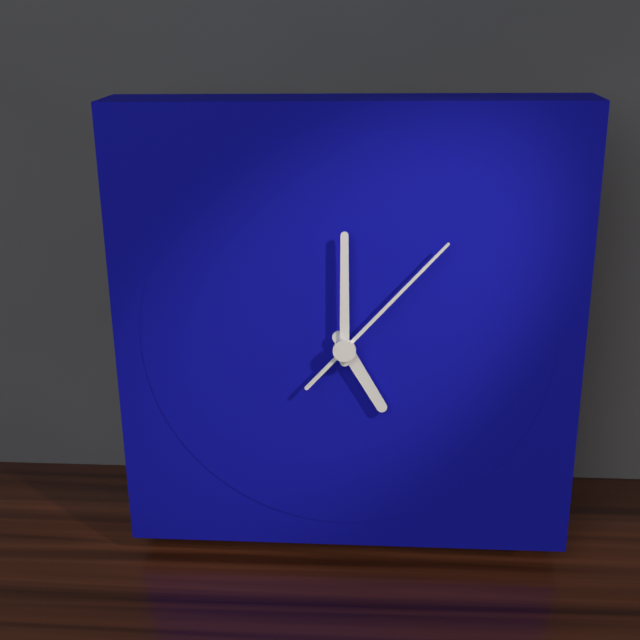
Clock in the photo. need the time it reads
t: 5:00:07
